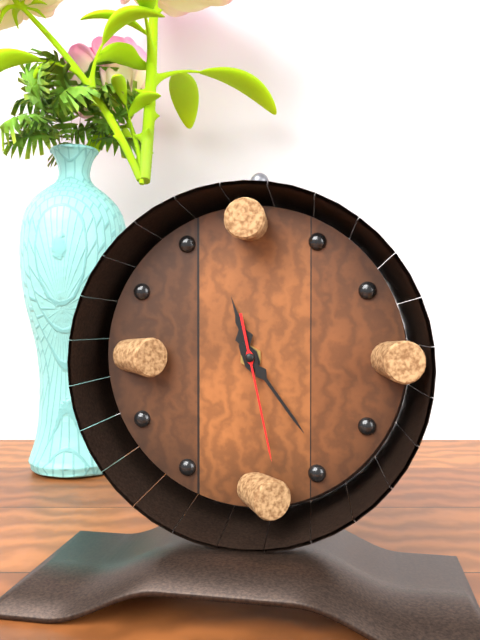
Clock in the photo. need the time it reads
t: 11:24:28
